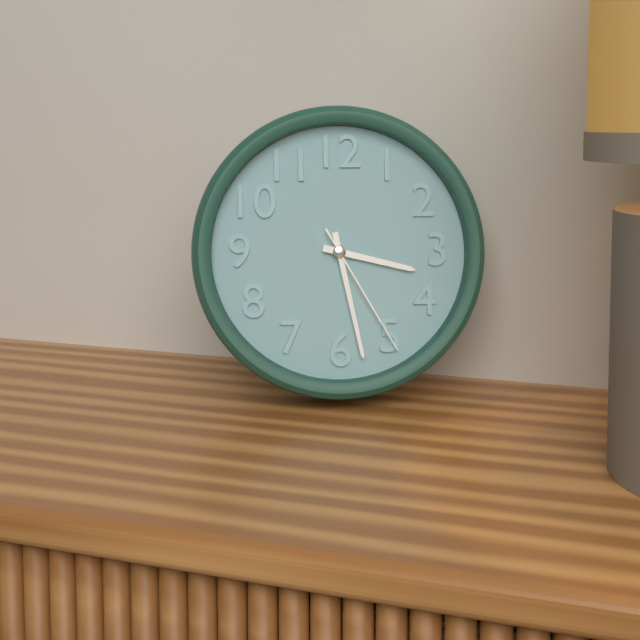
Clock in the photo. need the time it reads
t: 3:28:25
